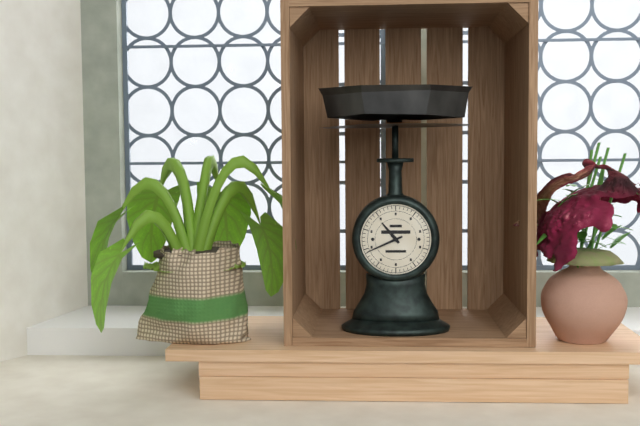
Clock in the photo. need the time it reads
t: 10:41
